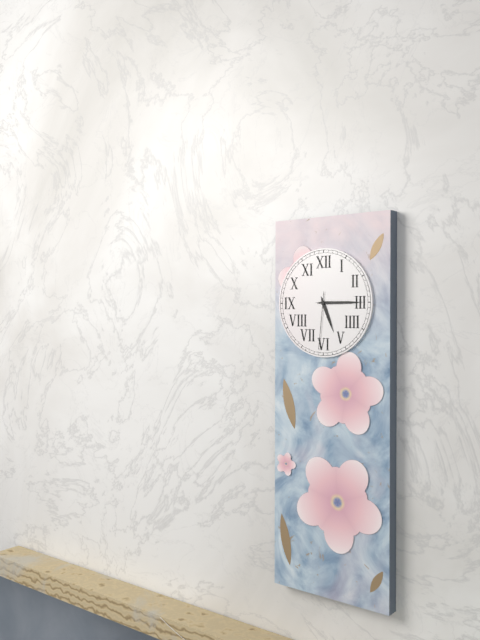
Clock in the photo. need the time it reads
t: 5:15:31
